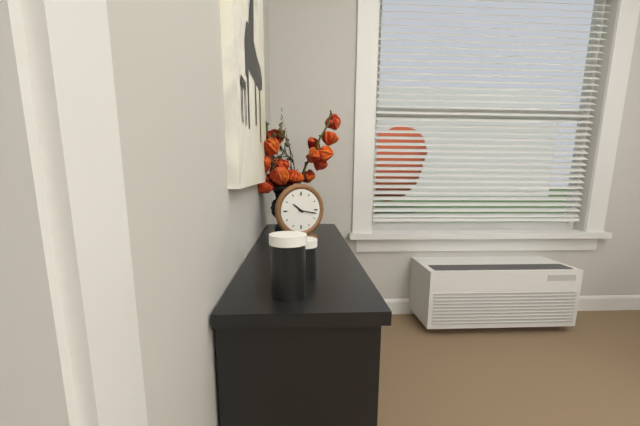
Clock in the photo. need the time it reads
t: 10:17
